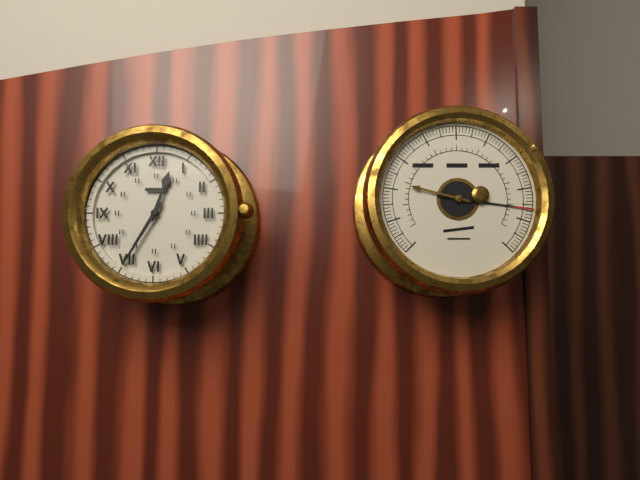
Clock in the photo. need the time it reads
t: 12:35
